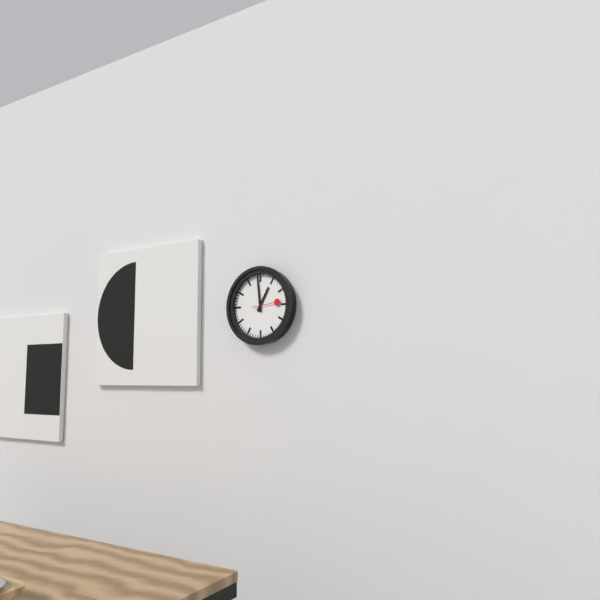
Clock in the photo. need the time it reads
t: 12:59
